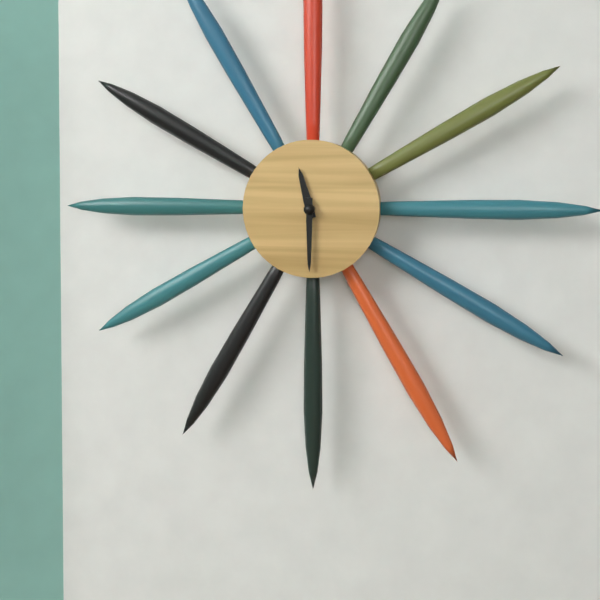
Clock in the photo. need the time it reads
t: 11:30
